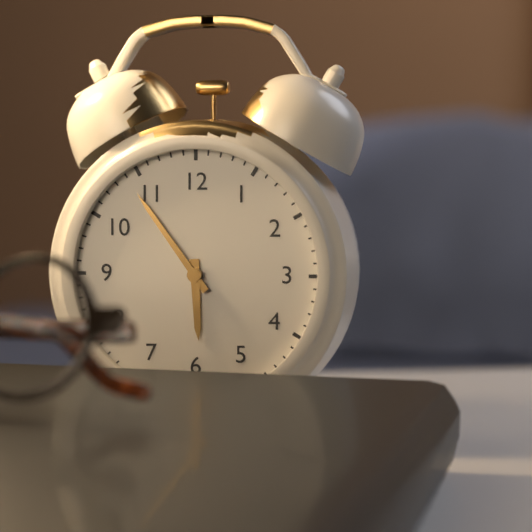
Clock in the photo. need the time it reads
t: 5:54
